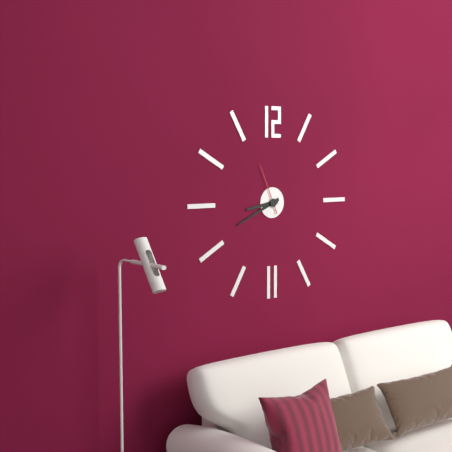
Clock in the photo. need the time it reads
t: 8:41:56
